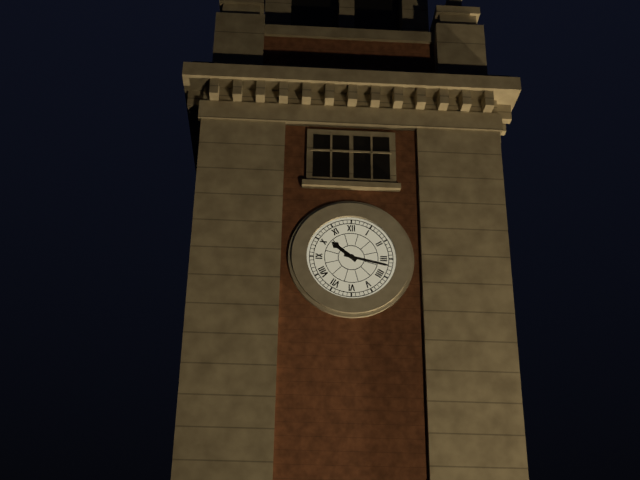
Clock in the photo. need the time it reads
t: 10:17
